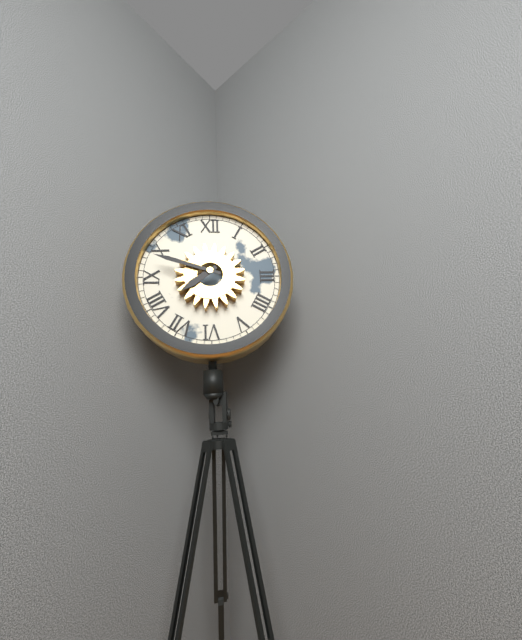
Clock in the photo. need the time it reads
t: 7:48
